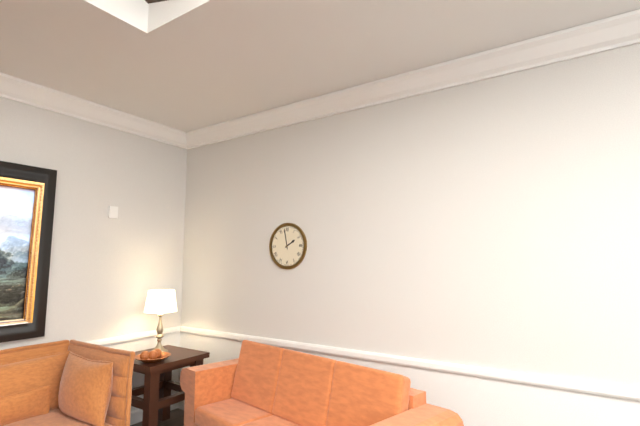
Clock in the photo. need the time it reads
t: 1:58
